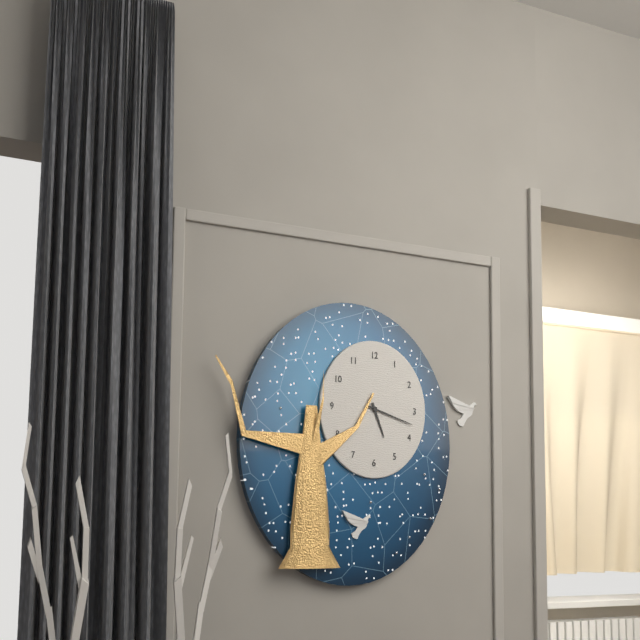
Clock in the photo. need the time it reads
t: 5:18
